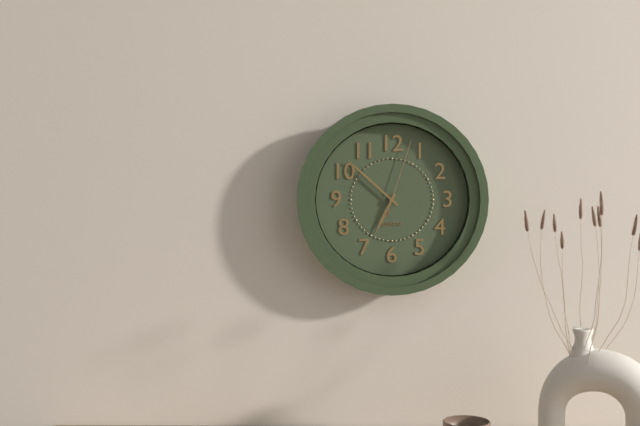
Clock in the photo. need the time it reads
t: 6:52:03
